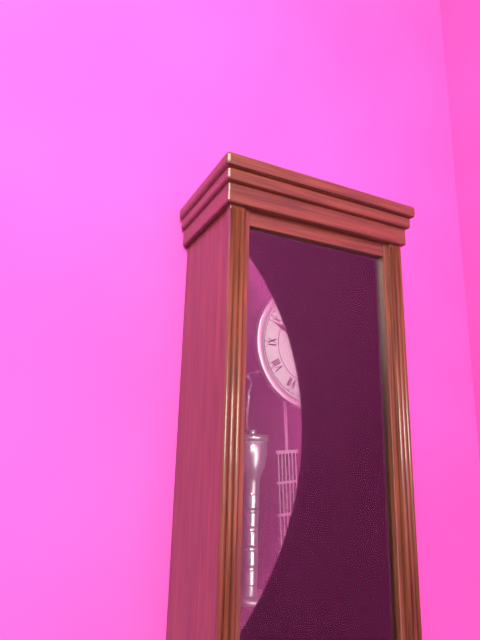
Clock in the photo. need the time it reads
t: 4:49
